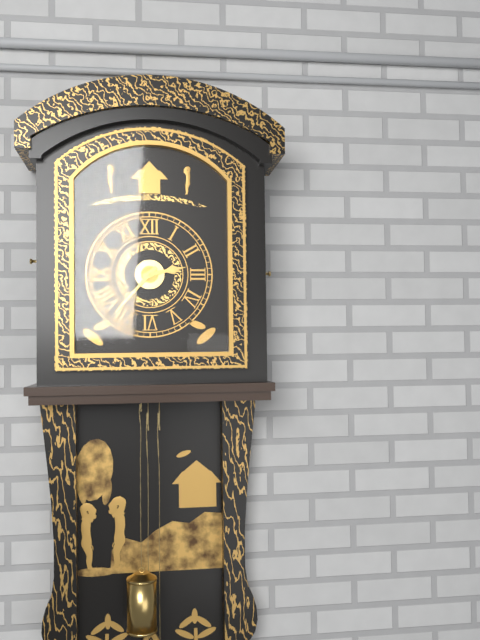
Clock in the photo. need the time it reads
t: 2:37
